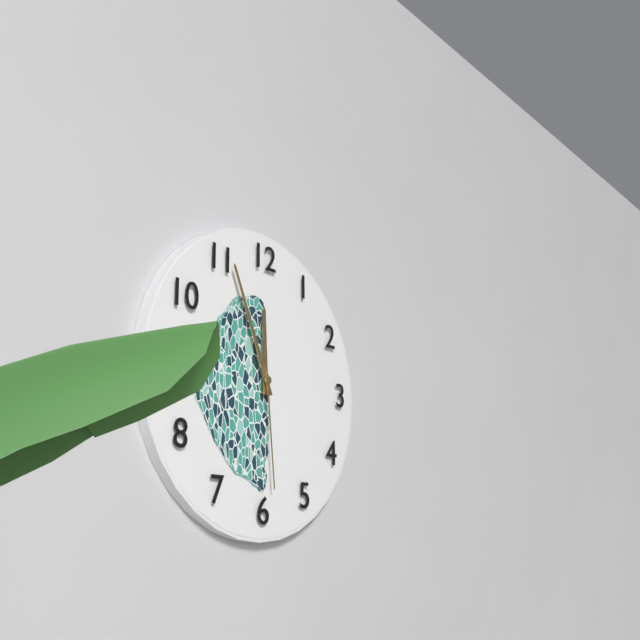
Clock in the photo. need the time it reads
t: 11:56:29
